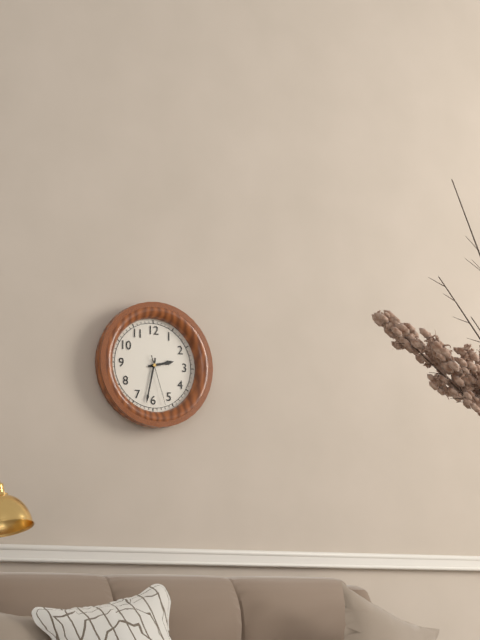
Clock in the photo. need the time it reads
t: 2:32:27
